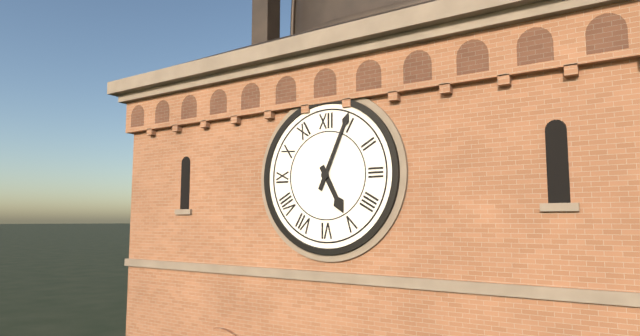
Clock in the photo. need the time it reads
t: 5:04
